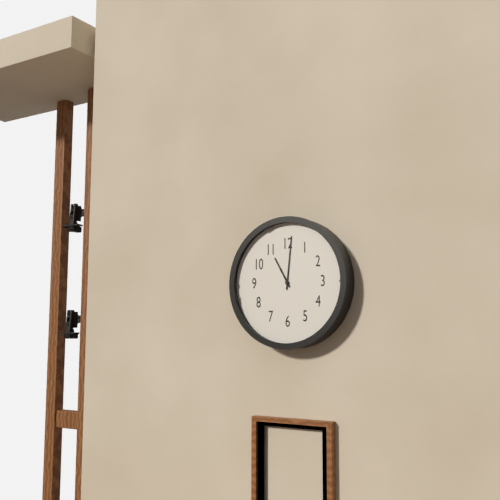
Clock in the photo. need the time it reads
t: 11:01
